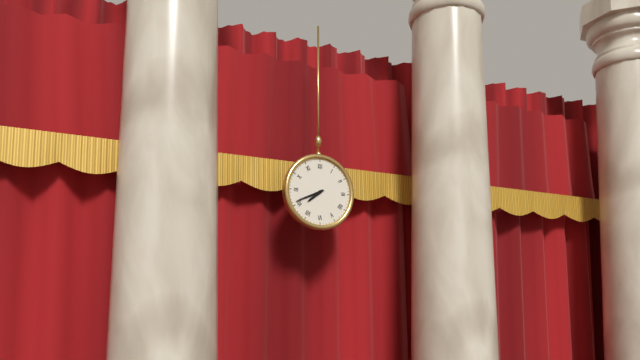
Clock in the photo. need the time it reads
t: 7:41
